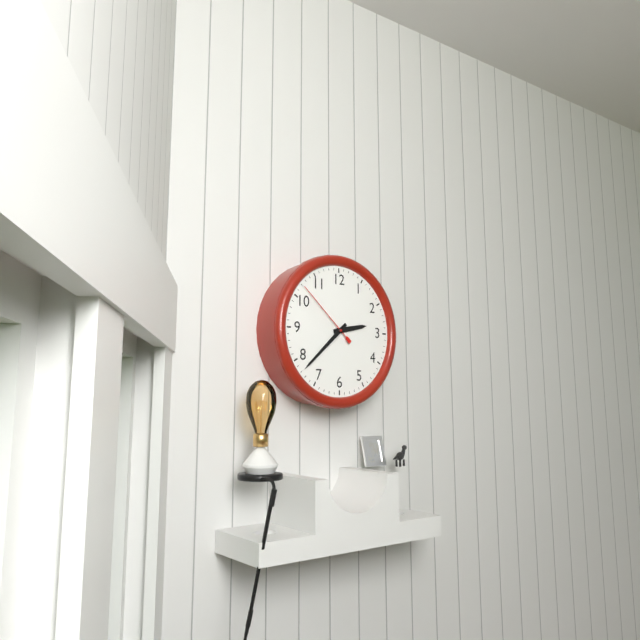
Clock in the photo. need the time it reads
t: 2:38:52
